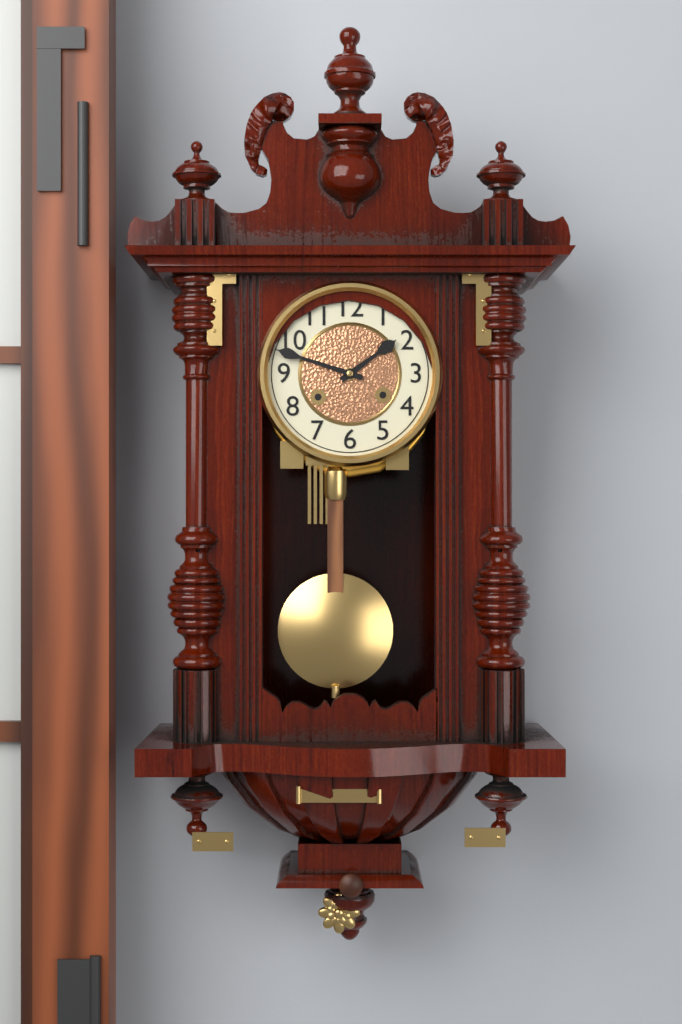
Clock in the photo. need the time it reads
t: 1:48
